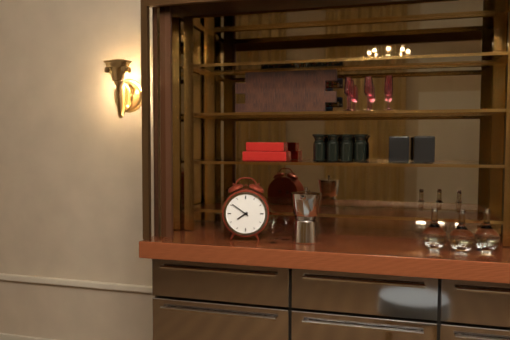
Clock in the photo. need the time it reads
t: 7:51
